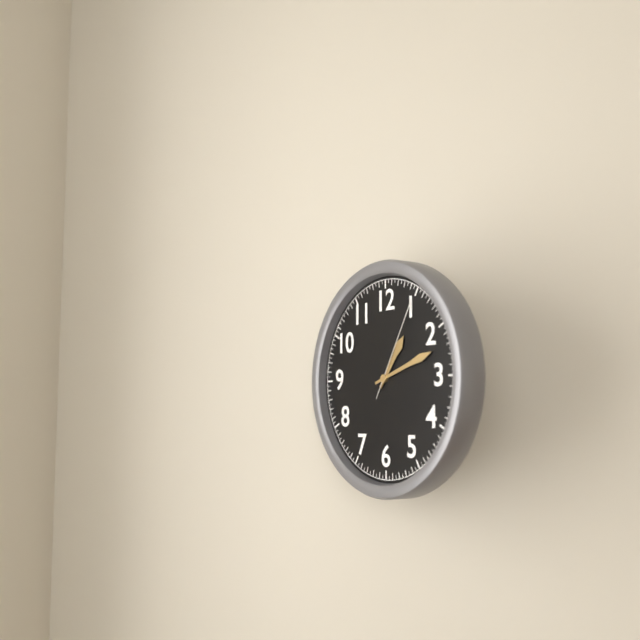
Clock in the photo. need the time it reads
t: 1:12:05
